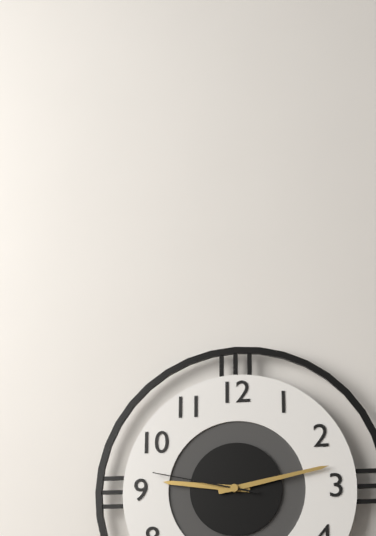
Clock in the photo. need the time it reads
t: 9:13:47
